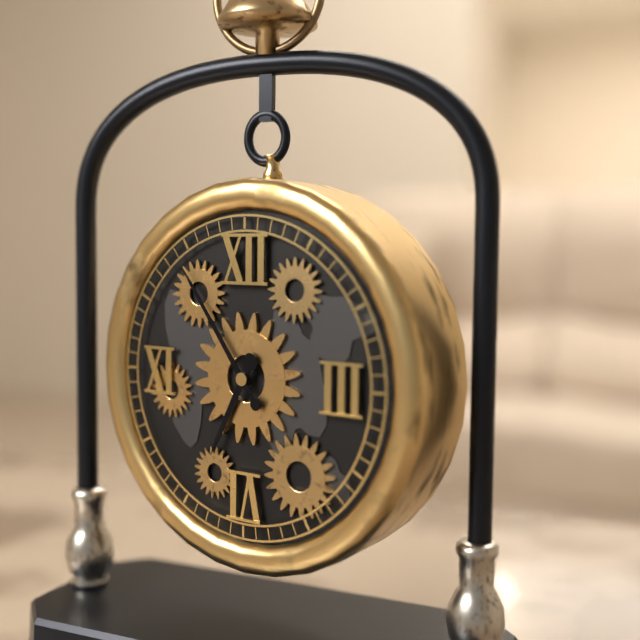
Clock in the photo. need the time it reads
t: 6:54
